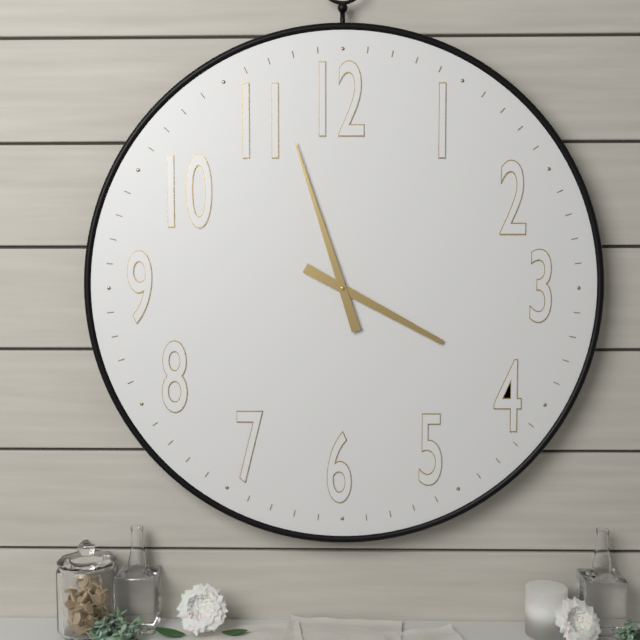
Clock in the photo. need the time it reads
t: 3:57
